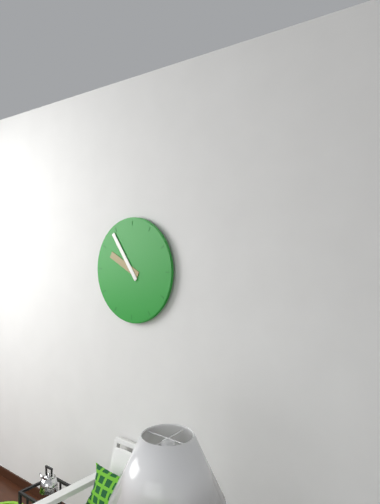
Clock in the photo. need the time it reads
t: 9:54
